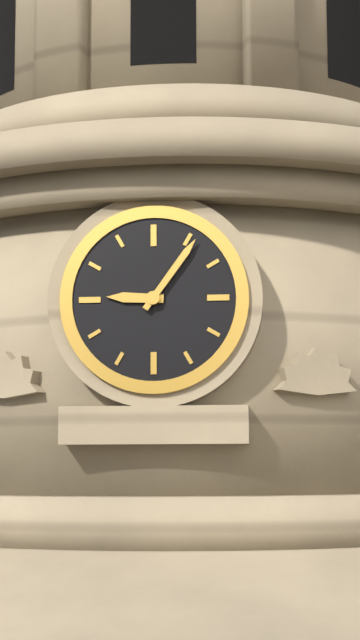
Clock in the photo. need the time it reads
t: 9:06
